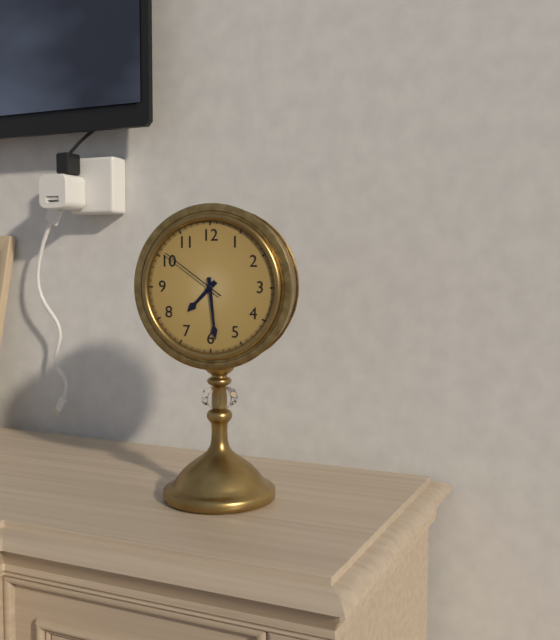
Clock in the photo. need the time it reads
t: 7:29:51
